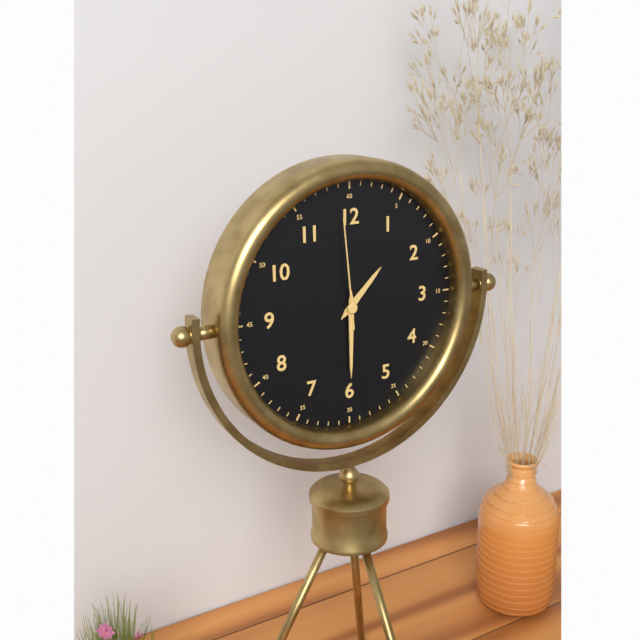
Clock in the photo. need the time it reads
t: 1:30:59
